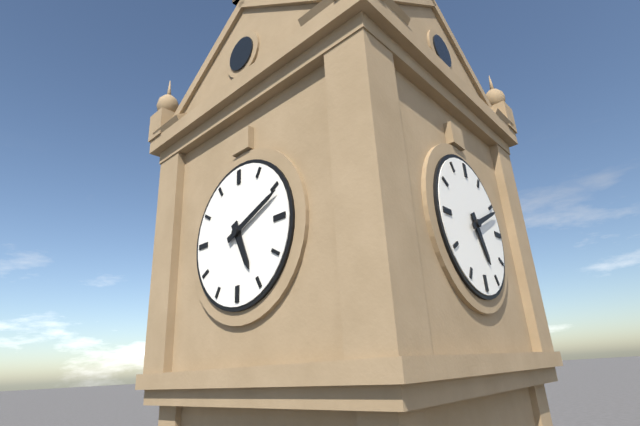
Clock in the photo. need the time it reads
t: 5:11
